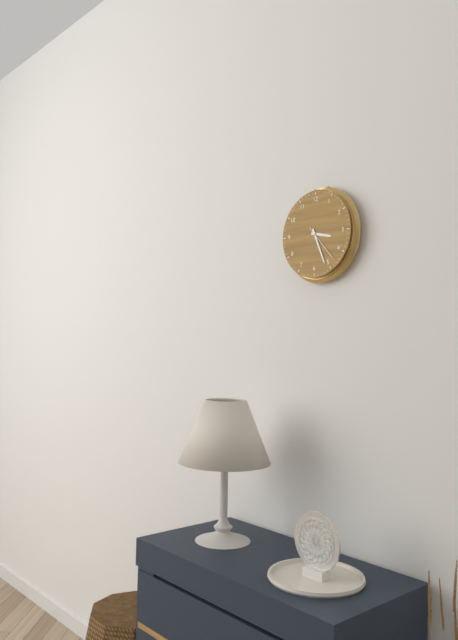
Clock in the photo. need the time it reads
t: 3:26
